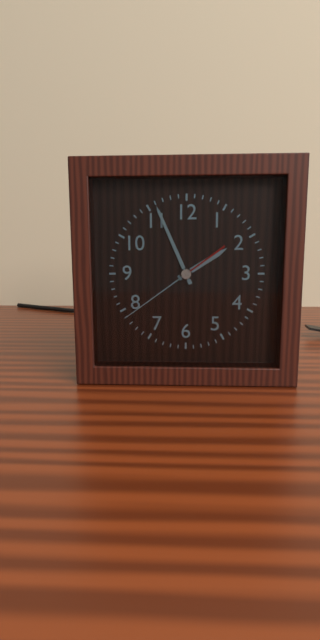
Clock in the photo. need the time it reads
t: 1:56:39
